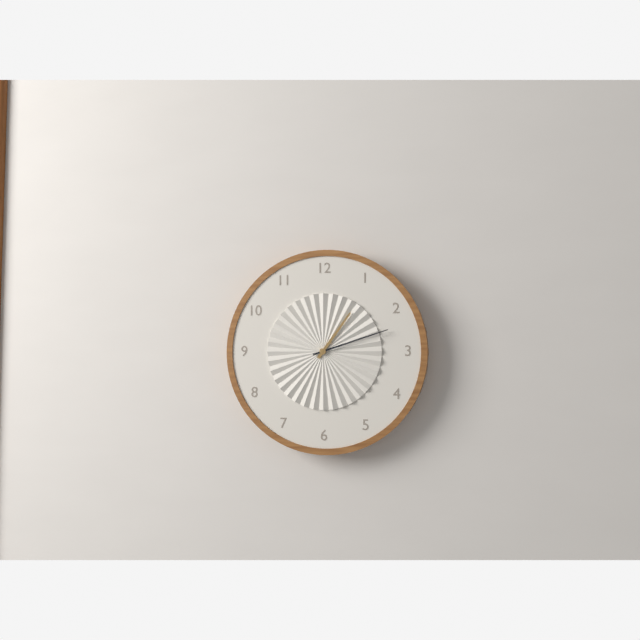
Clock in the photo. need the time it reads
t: 1:12
